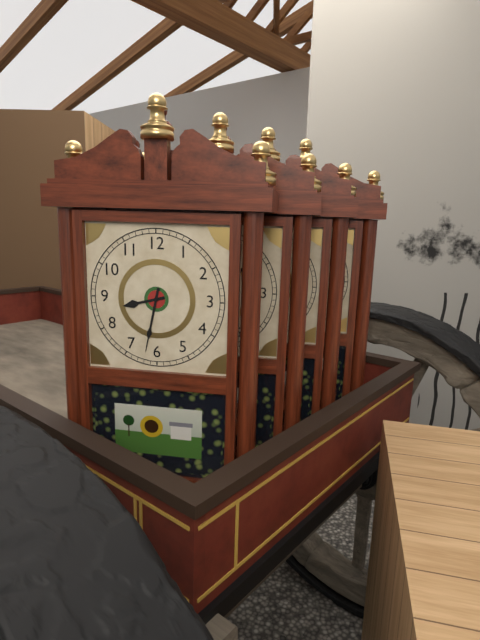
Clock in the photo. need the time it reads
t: 8:32
